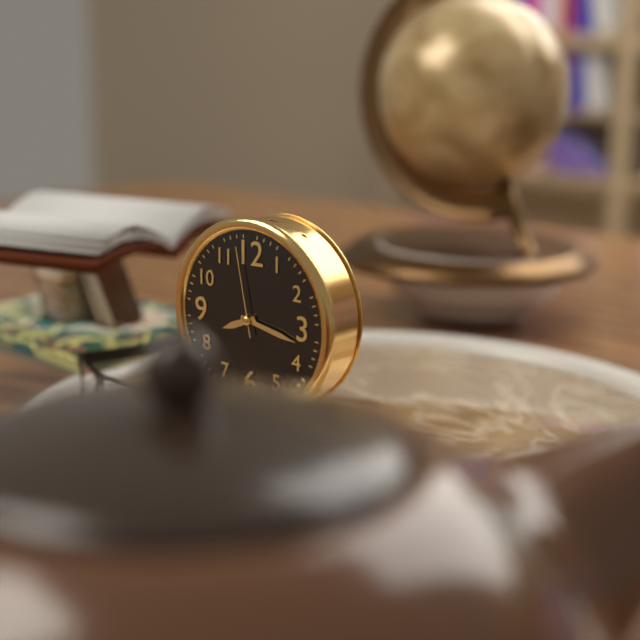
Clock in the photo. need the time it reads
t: 8:17:58
